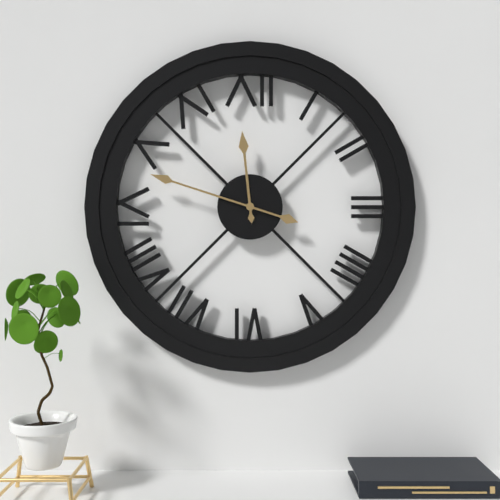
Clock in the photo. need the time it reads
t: 11:48
